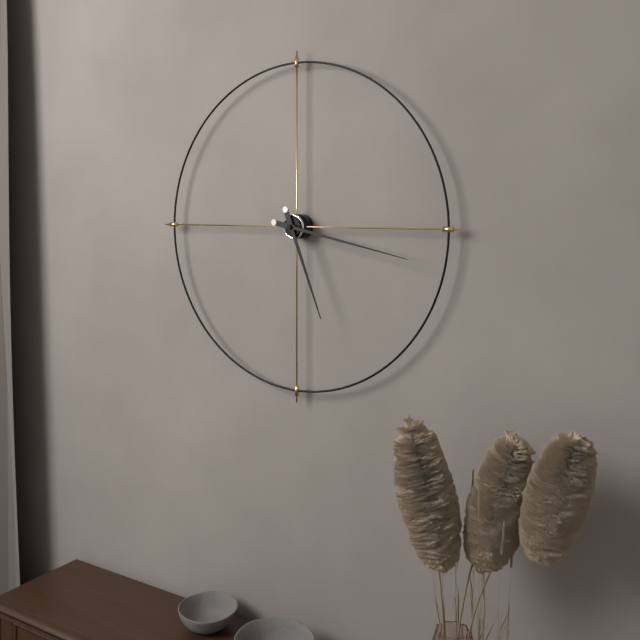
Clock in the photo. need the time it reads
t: 5:17
